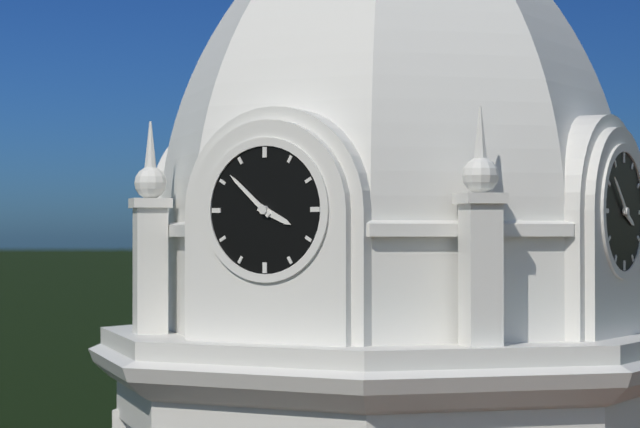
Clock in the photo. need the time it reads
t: 3:52
